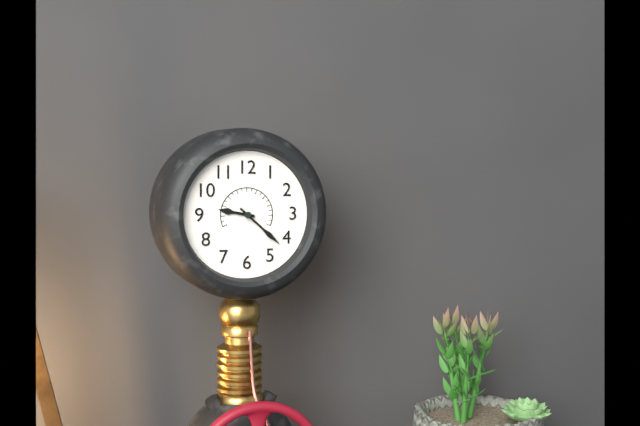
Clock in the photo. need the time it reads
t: 9:22
